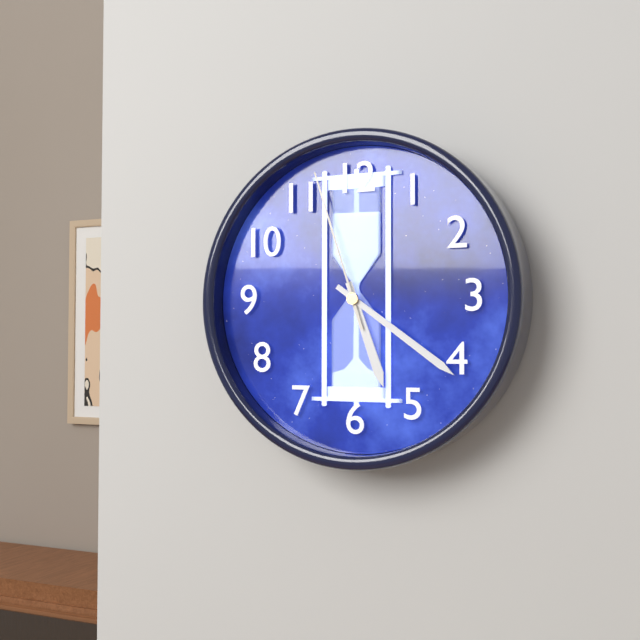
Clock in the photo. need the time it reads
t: 5:21:57
